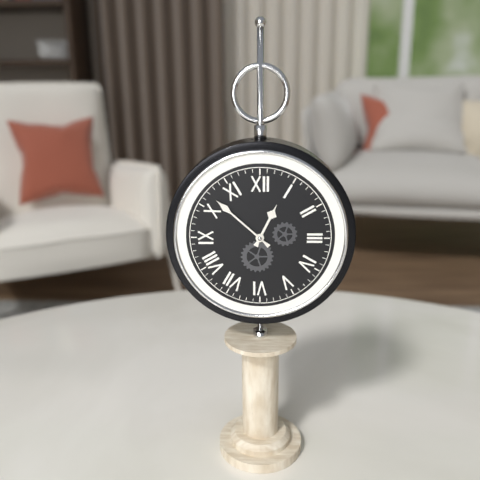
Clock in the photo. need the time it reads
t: 12:52
